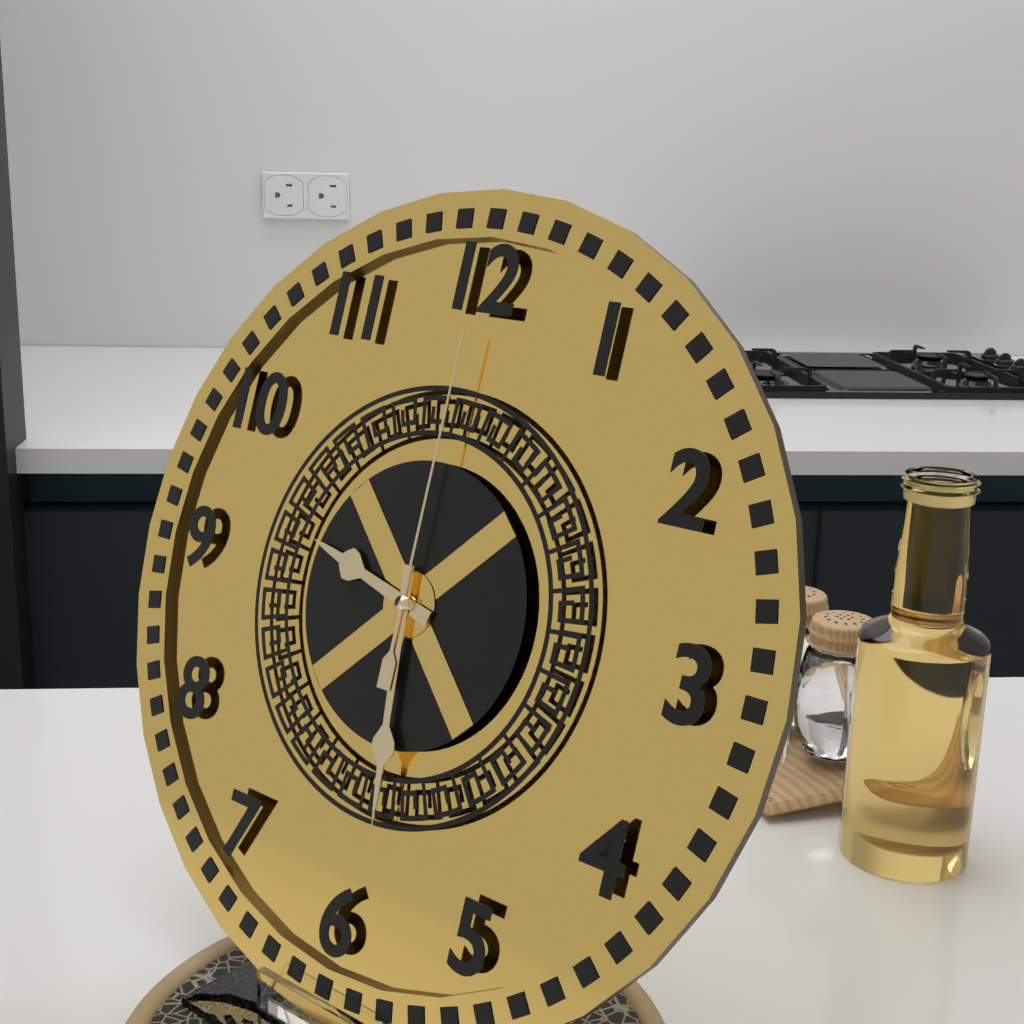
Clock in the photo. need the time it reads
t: 9:29:00
